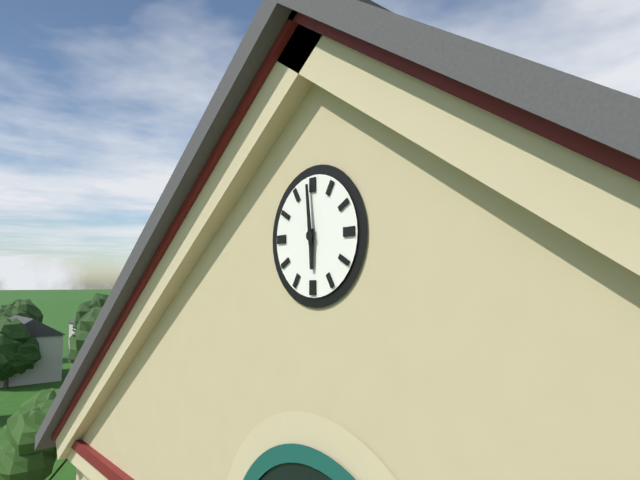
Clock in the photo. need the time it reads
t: 5:59
